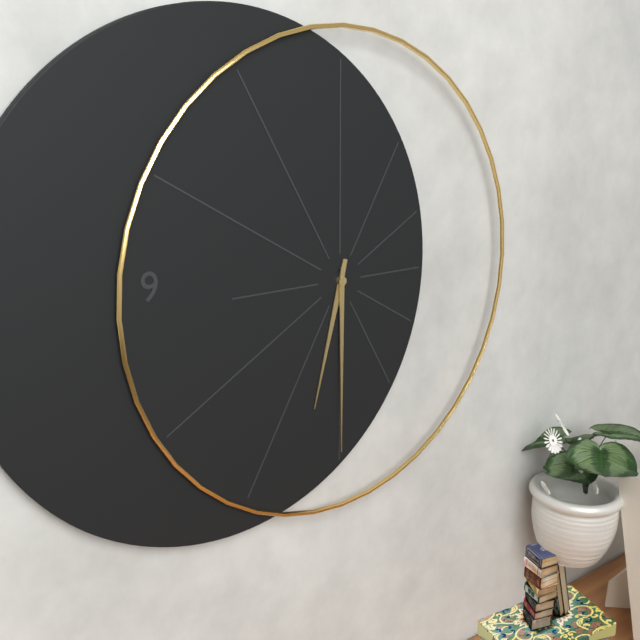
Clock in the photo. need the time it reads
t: 6:30
